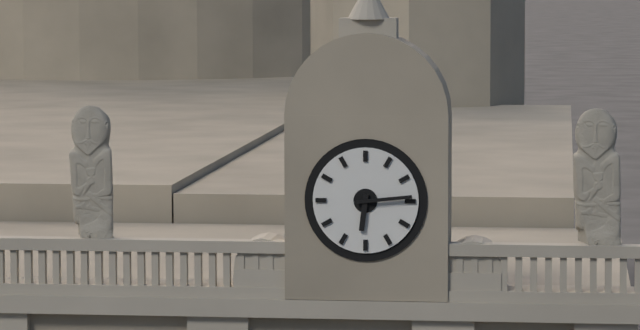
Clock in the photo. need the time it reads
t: 6:14
